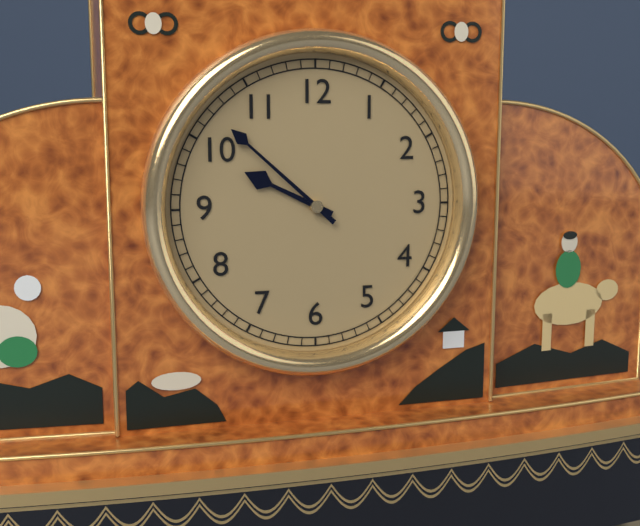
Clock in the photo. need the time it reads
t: 9:52
